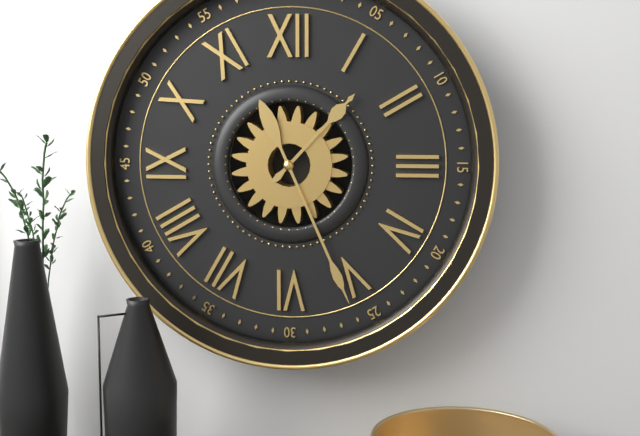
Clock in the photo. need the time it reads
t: 1:26
